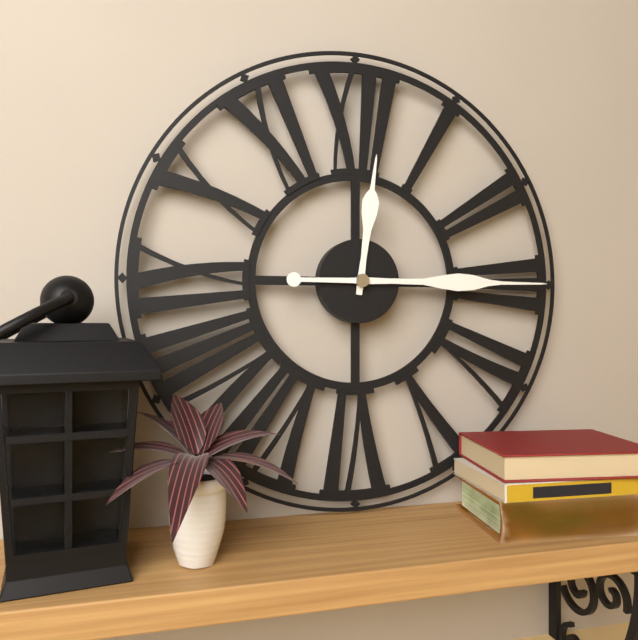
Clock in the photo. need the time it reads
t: 12:15
